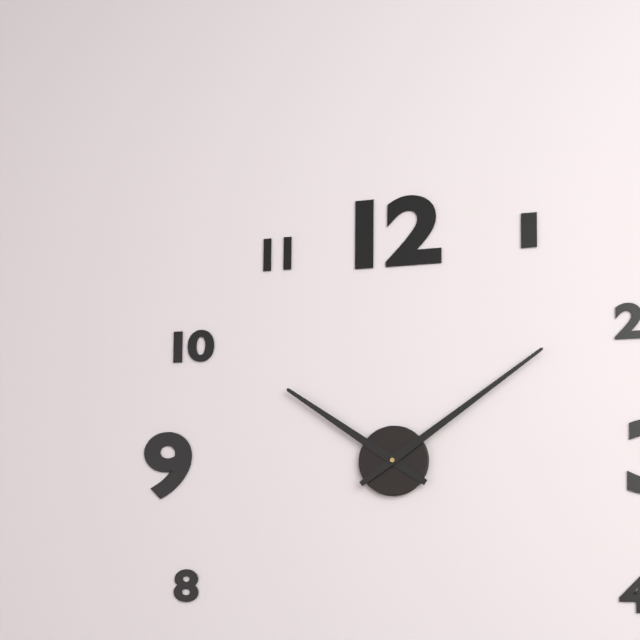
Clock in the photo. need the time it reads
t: 10:09
